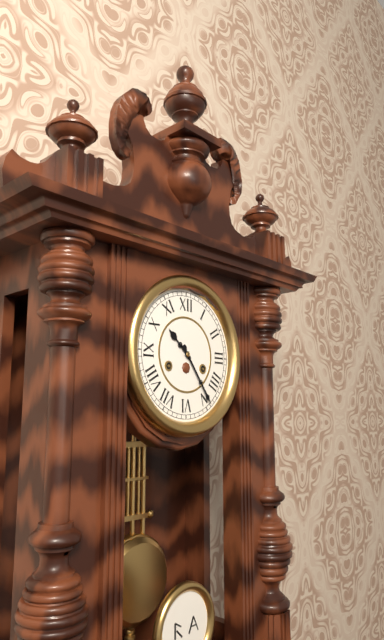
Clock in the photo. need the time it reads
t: 10:24
